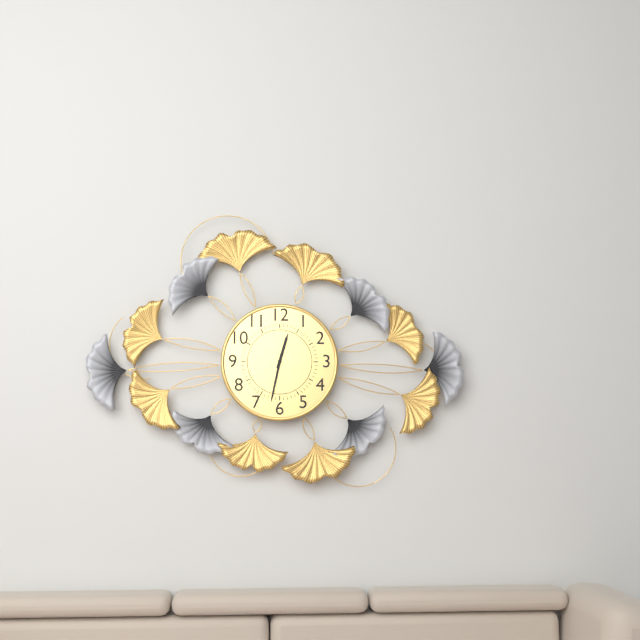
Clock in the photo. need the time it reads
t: 12:32
